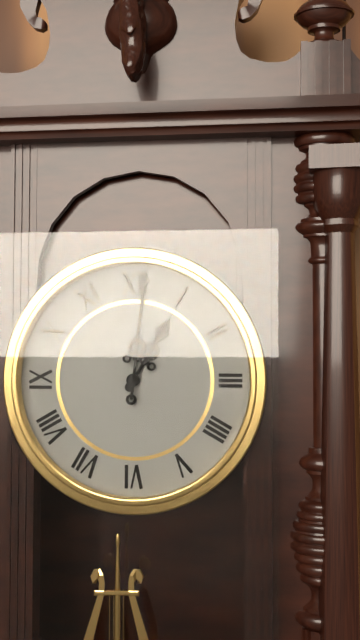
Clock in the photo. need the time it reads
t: 1:01
